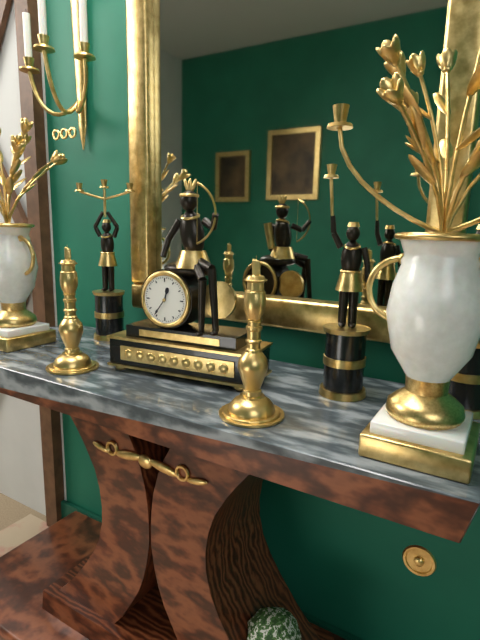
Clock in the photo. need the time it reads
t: 12:36
